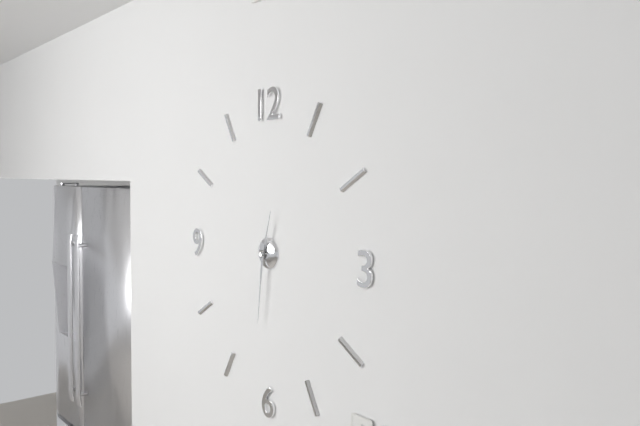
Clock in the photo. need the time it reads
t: 12:31
